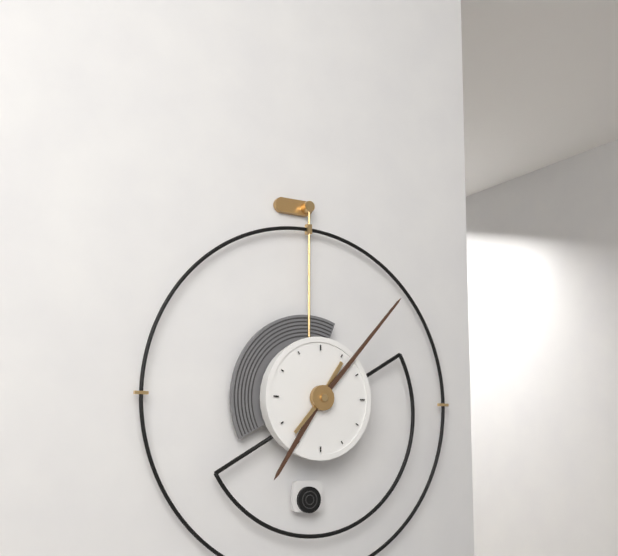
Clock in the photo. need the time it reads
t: 7:07
